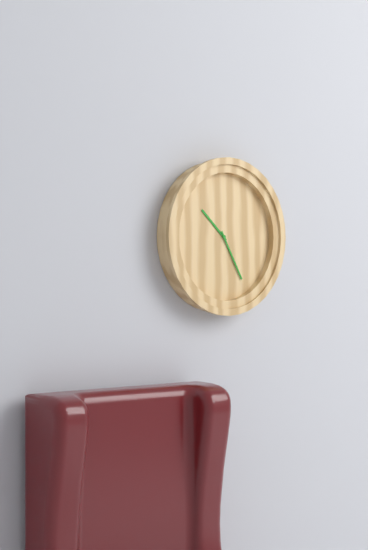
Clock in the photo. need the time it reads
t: 10:25
